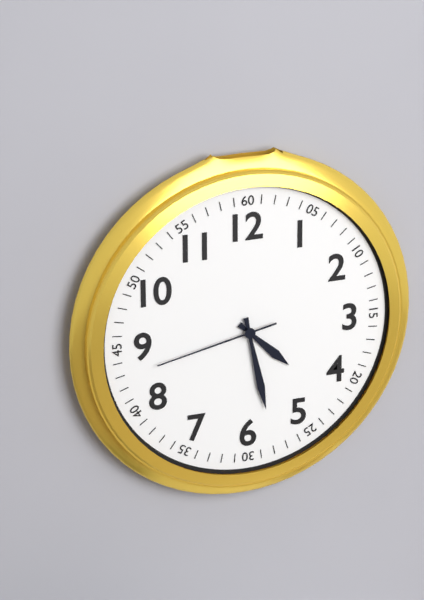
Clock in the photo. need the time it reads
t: 4:28:43
